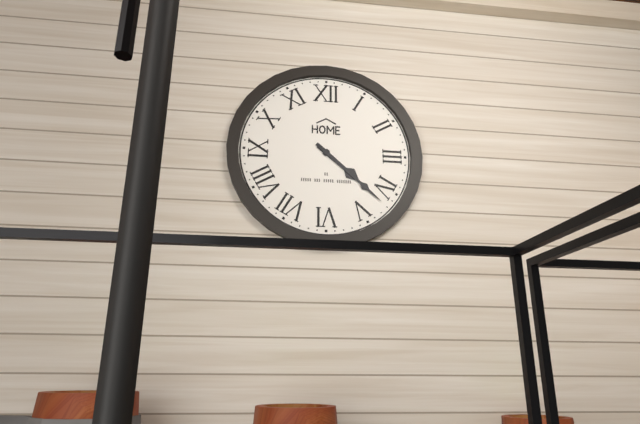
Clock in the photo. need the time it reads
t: 4:22
